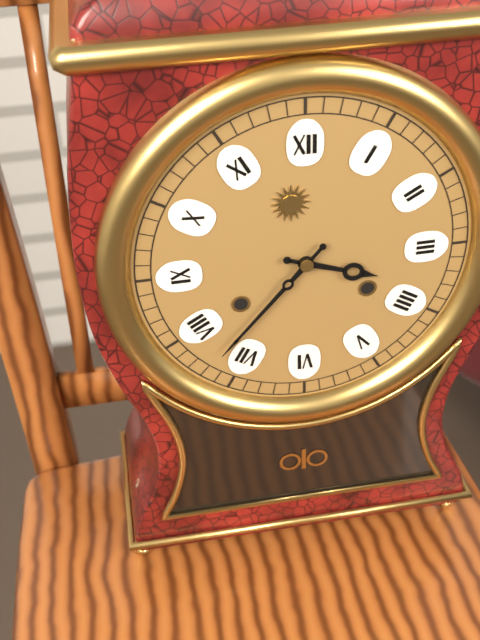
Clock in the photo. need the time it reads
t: 3:37
